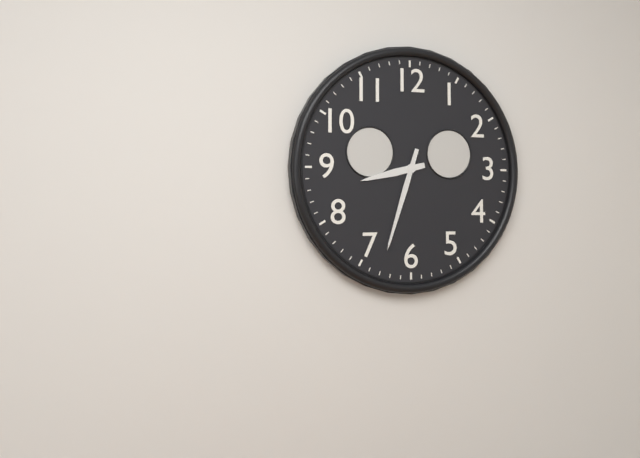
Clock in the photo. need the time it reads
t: 8:33
